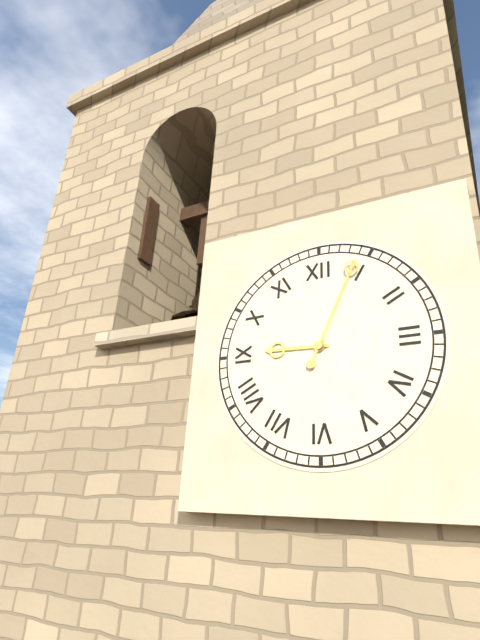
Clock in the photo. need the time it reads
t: 9:04
